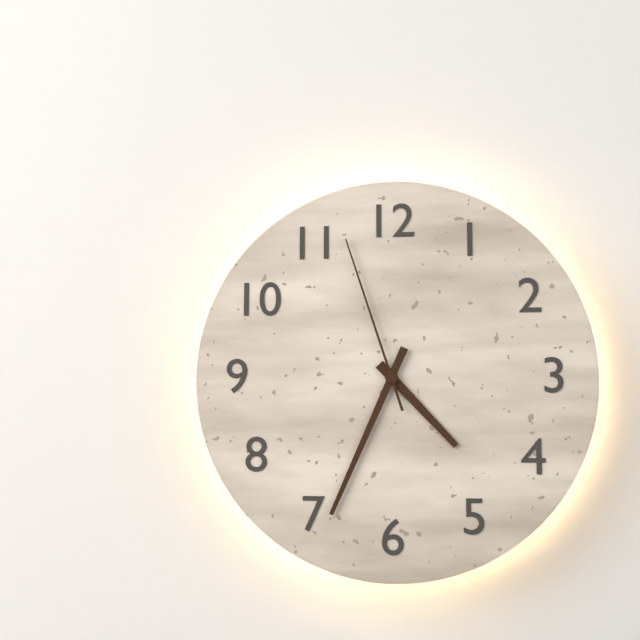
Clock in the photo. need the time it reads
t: 4:34:57
